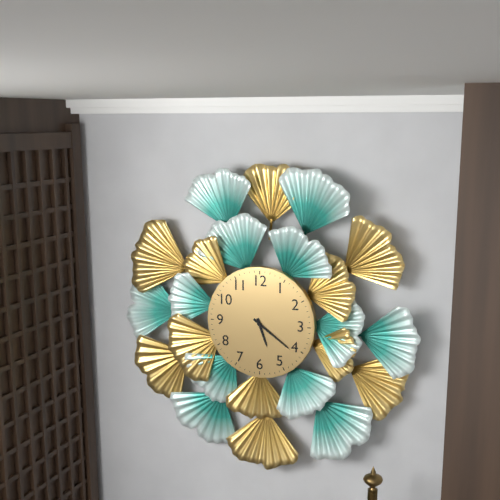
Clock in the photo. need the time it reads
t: 5:21
